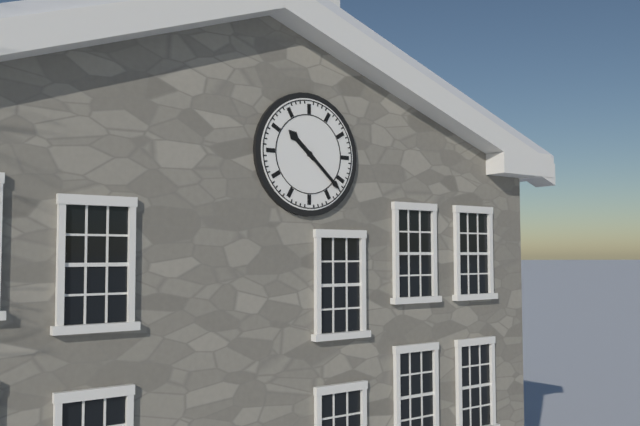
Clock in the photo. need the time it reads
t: 10:22
